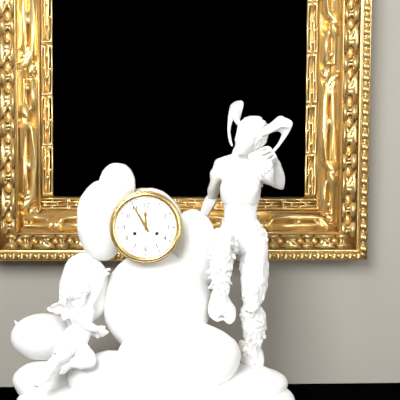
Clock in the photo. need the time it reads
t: 11:55
